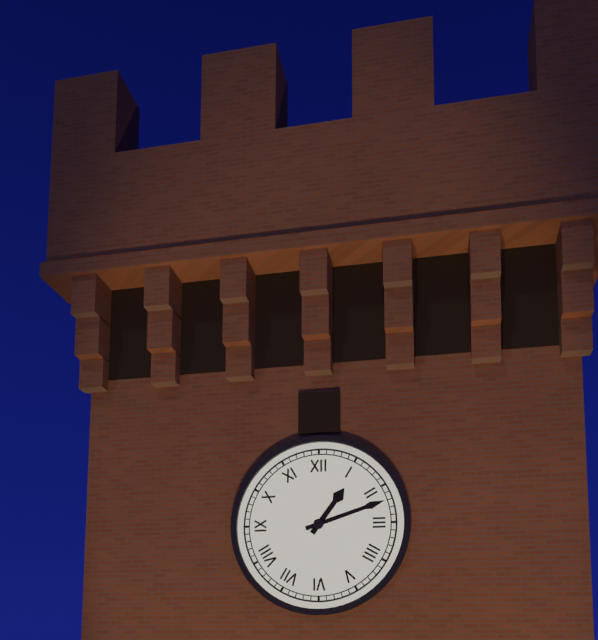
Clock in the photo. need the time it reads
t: 1:12
